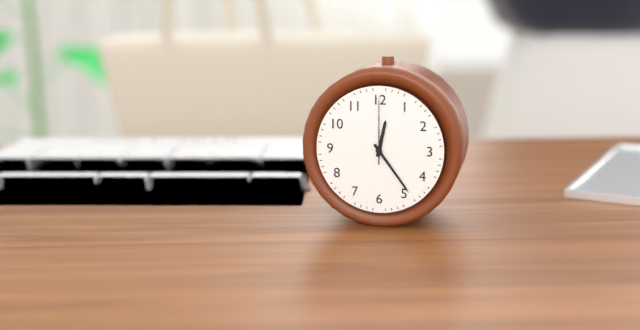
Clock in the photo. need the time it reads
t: 12:24:00
